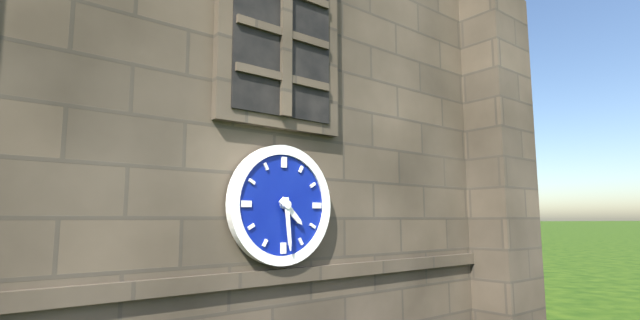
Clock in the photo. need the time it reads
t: 4:29
